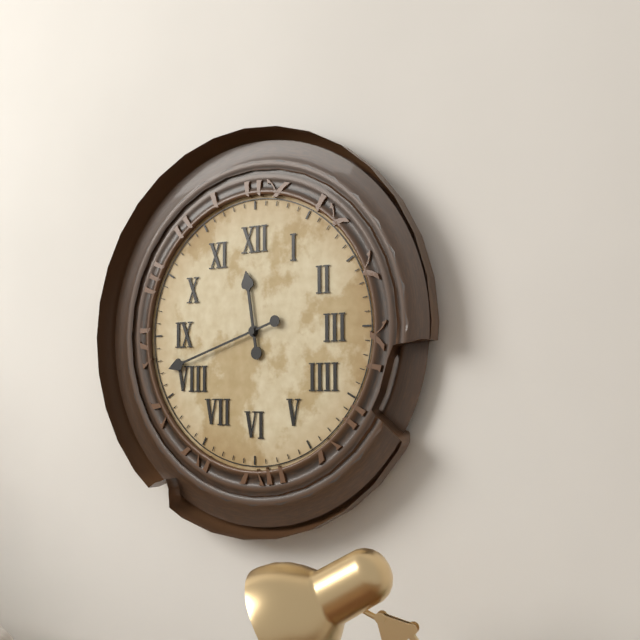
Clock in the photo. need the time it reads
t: 11:42
